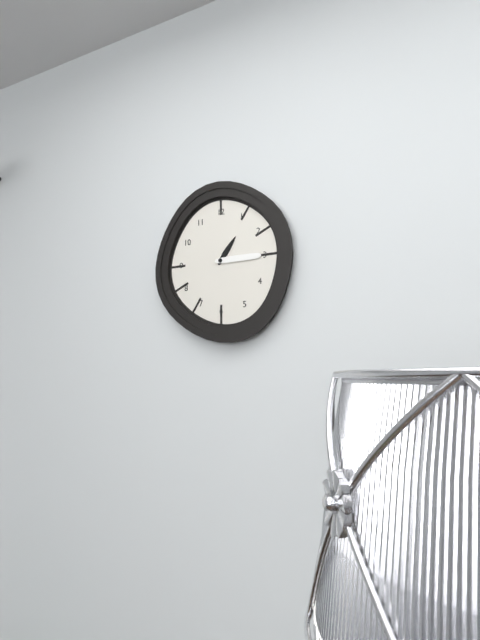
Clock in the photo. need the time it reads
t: 1:15
